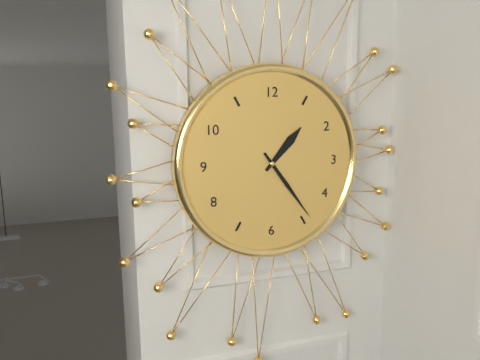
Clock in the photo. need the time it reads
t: 1:24
